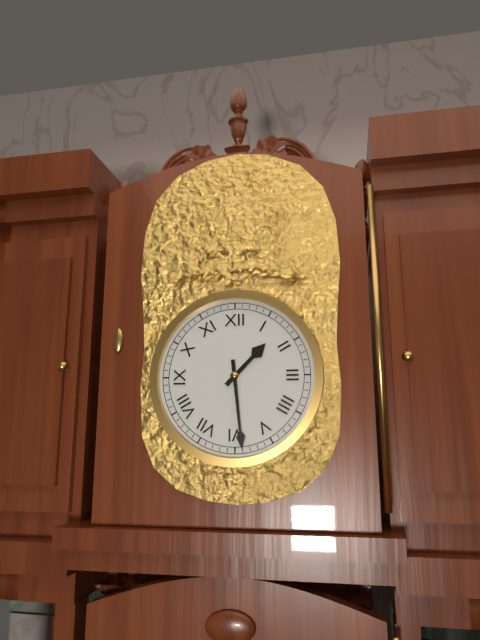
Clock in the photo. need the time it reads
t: 1:29
